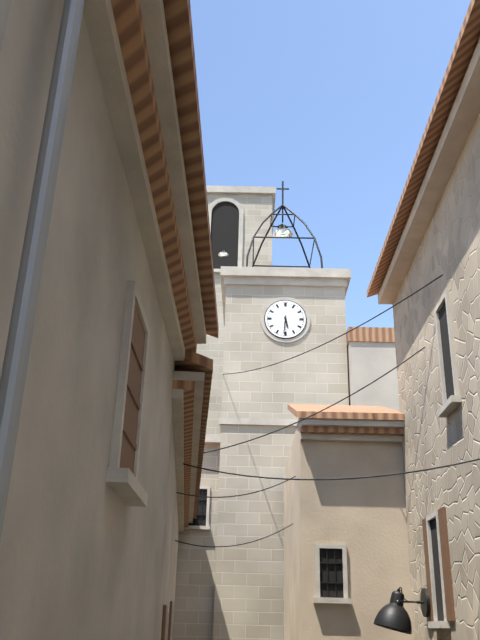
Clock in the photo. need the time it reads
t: 5:31
